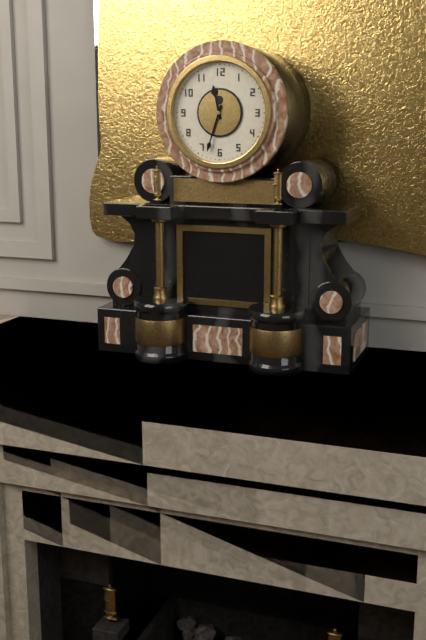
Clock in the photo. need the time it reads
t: 11:33
